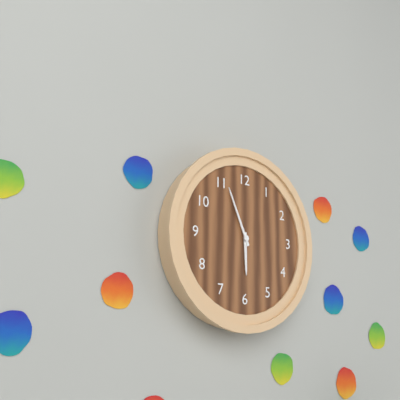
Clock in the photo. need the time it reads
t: 5:56
